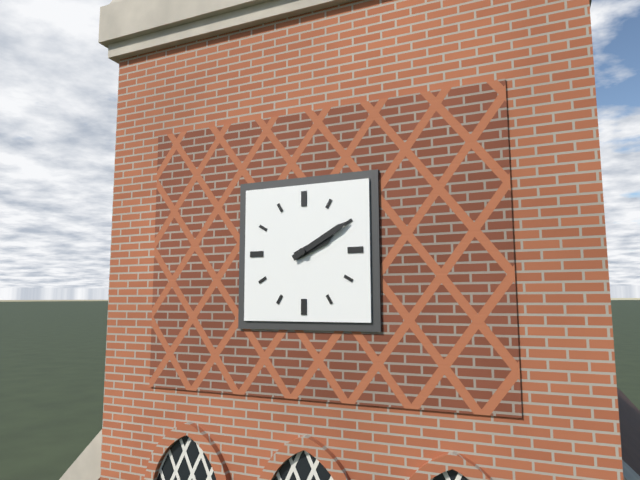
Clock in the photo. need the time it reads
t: 2:10
